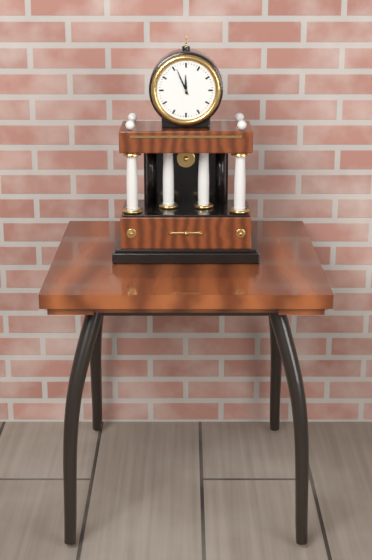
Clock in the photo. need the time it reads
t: 11:56
